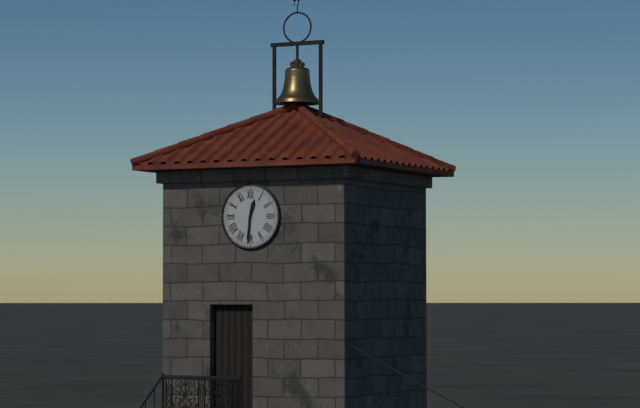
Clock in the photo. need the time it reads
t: 12:31
